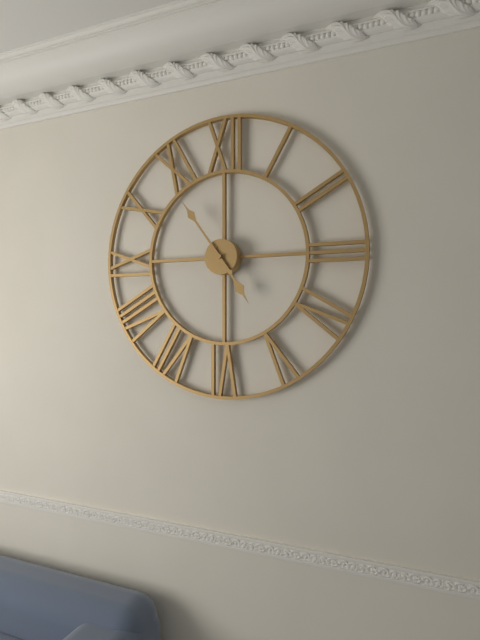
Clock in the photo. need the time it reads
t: 4:54
